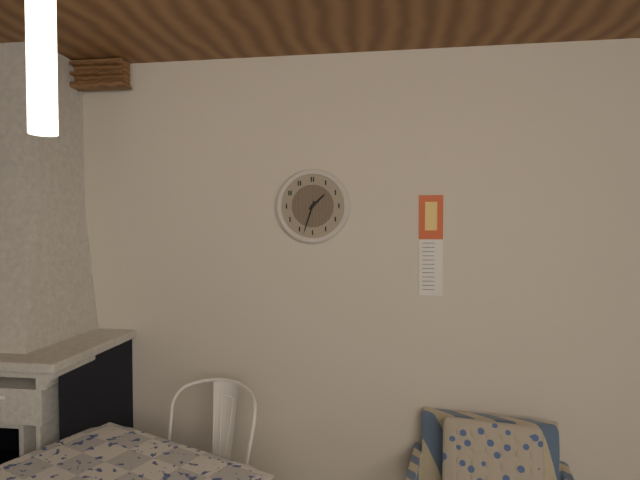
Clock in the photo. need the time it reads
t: 1:33
